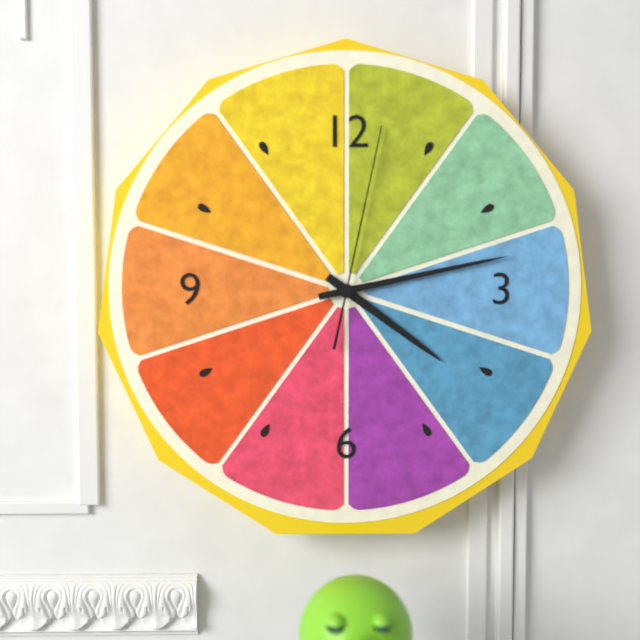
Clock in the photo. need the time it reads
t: 4:13:02
